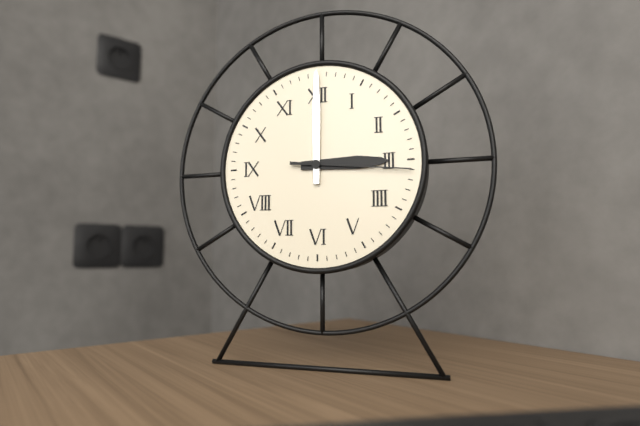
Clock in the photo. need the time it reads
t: 3:00:16
